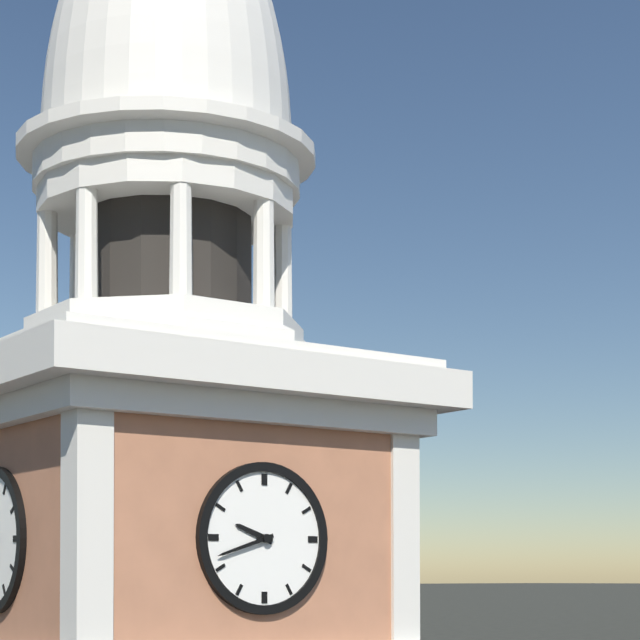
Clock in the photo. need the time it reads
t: 9:42
